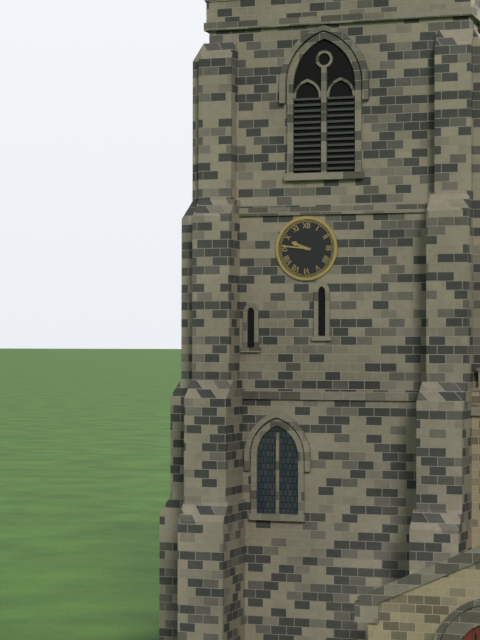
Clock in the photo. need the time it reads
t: 9:46
